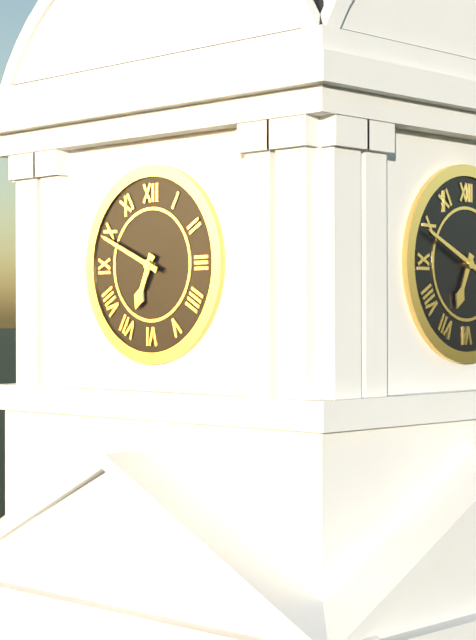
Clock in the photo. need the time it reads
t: 6:49
